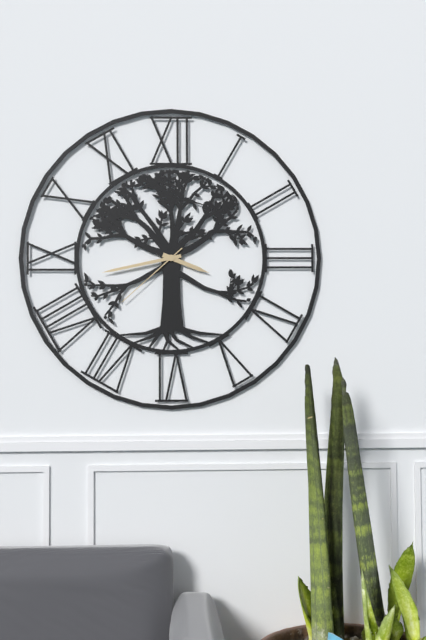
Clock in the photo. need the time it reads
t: 3:43:38
